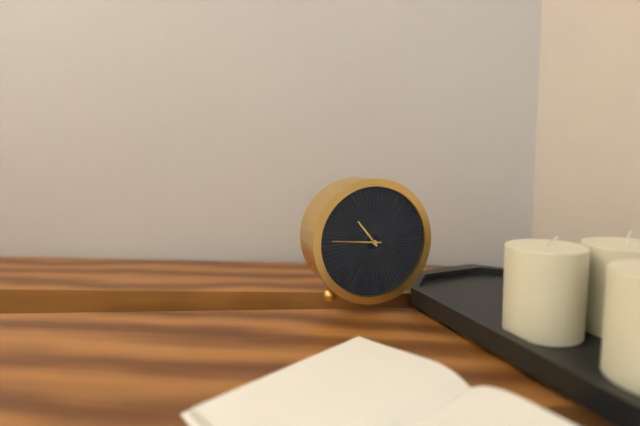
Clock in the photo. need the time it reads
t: 10:46
